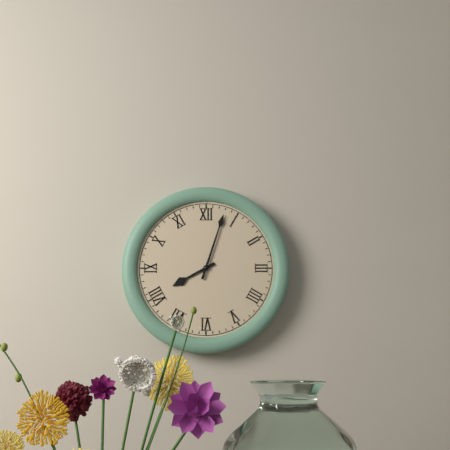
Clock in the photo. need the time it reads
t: 8:03
